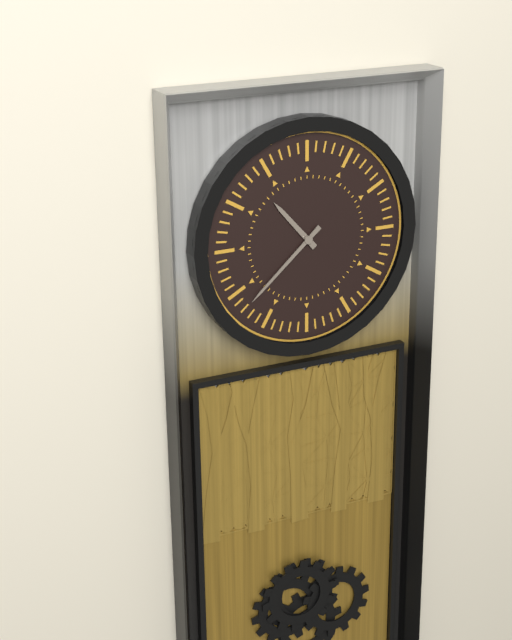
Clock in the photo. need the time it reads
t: 10:38
